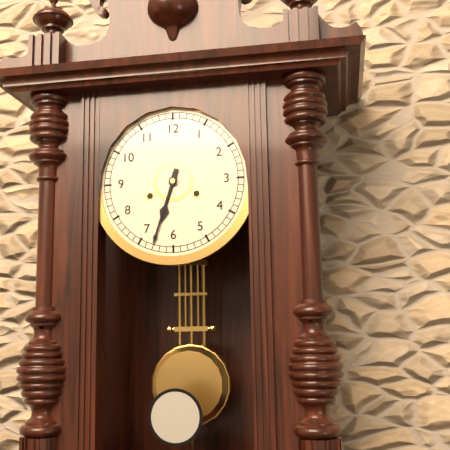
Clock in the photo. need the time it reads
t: 6:33
